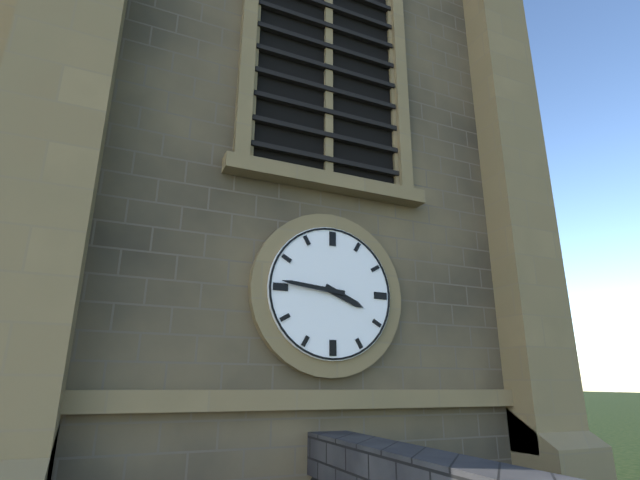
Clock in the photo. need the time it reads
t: 3:46
